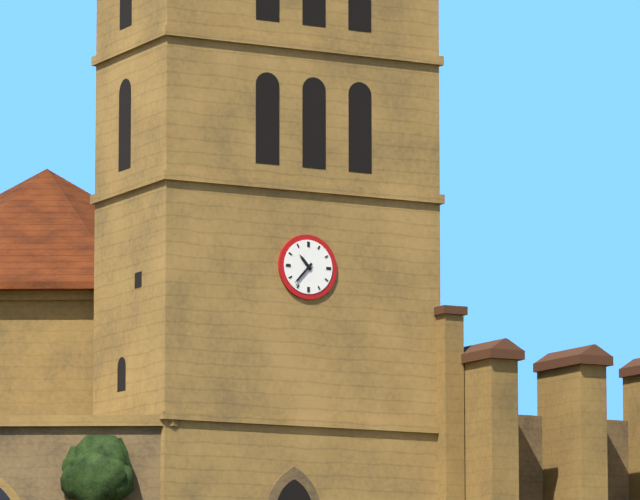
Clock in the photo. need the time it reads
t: 10:37
